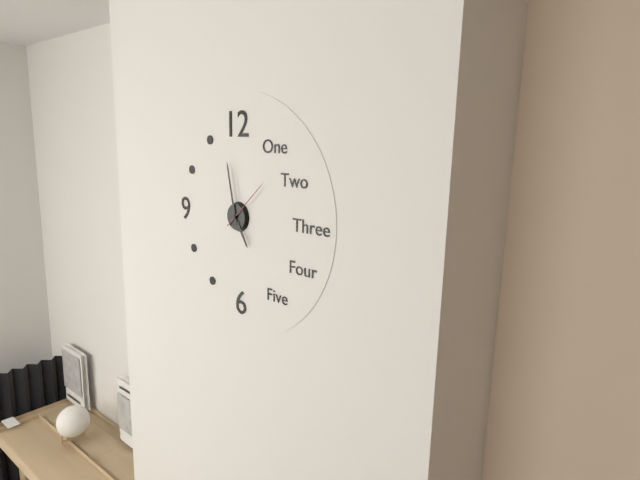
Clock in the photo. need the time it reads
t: 4:58:08
